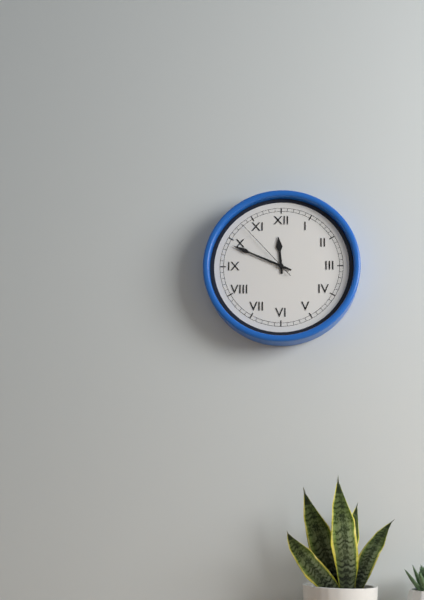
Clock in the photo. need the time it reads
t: 11:49:53
